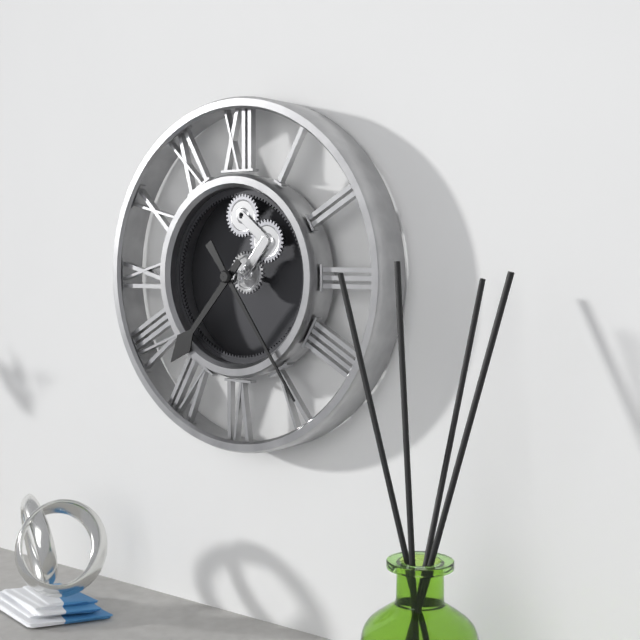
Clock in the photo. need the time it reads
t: 7:24
